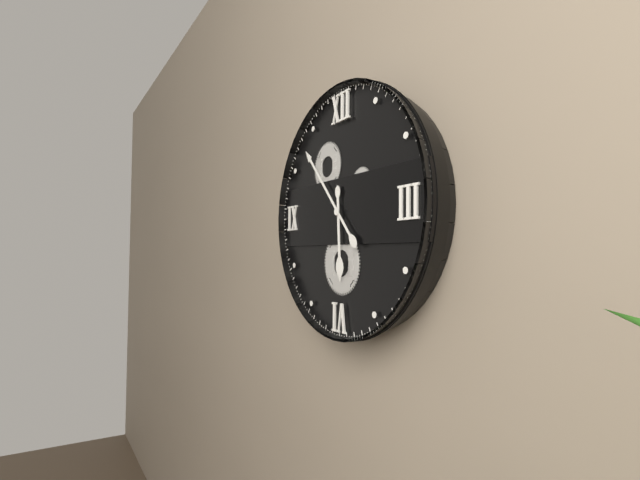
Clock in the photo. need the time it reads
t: 5:53
